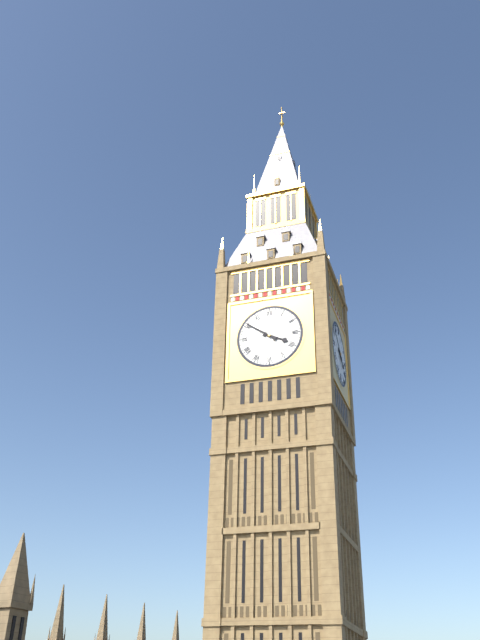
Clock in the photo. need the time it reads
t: 3:51
